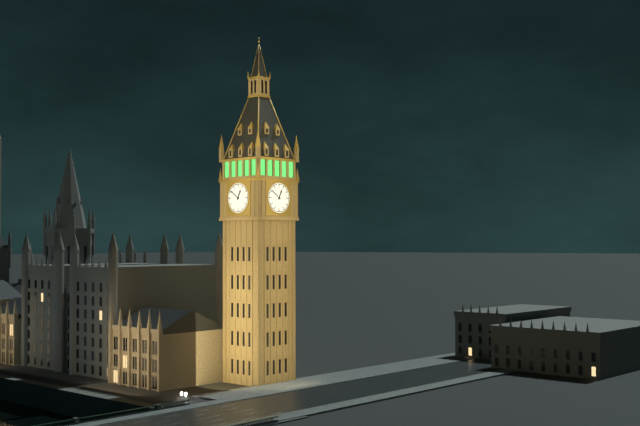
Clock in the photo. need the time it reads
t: 12:51
